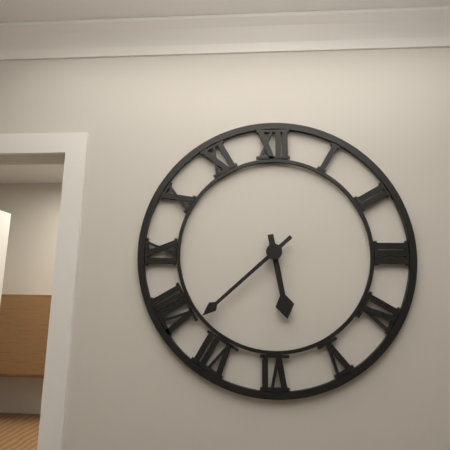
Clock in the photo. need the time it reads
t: 5:38
